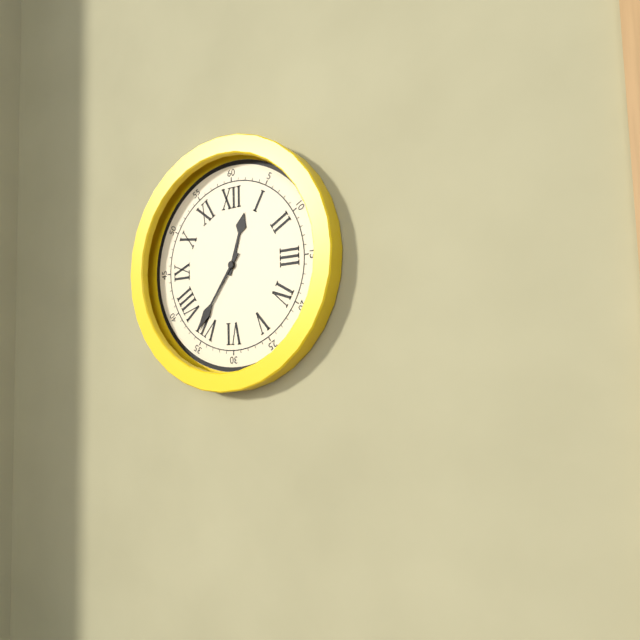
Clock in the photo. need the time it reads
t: 12:36
